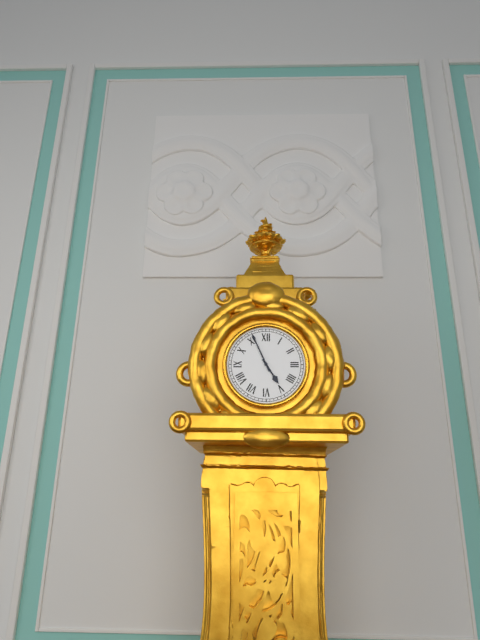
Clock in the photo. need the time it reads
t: 4:56
